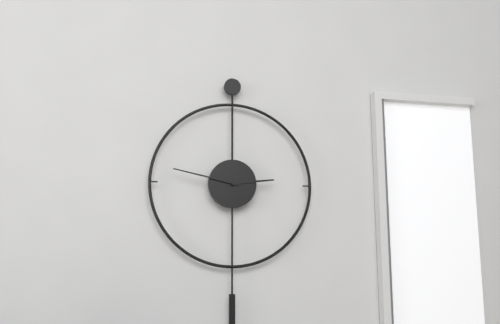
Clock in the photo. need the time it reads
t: 2:47
